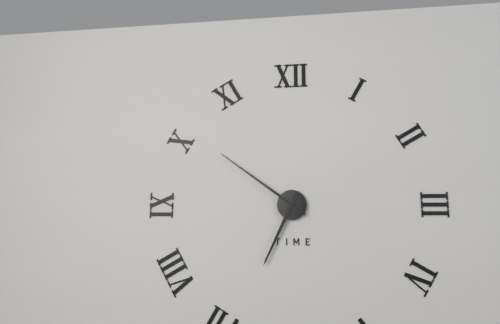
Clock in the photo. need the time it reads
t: 6:51
